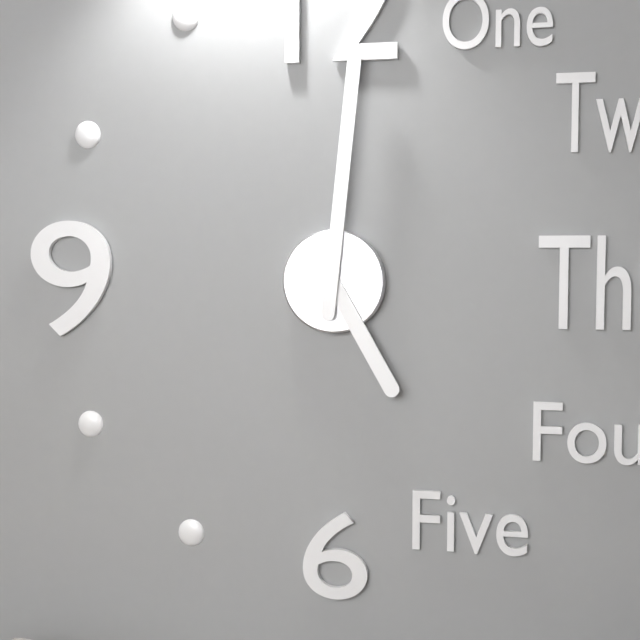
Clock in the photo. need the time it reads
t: 5:01
